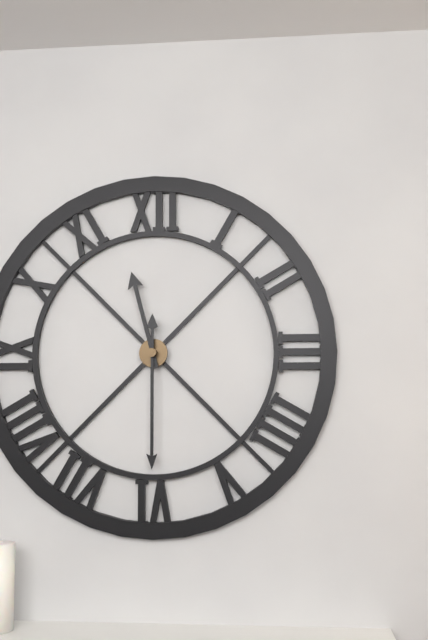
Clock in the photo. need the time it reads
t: 11:30
